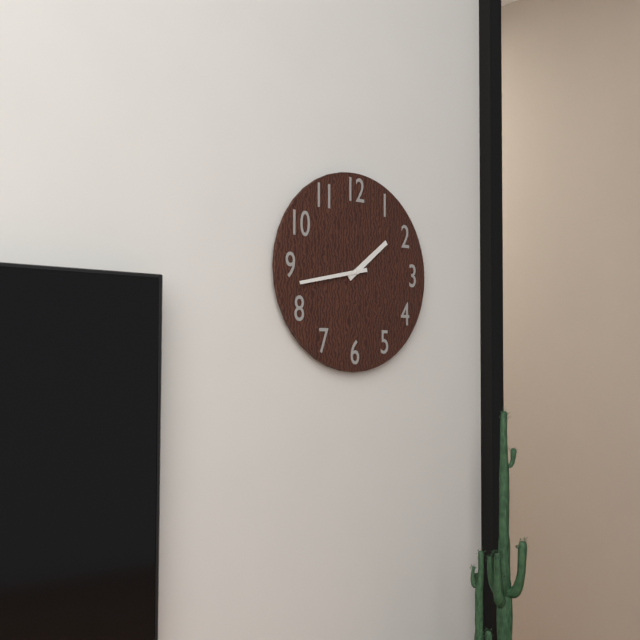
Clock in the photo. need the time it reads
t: 1:43
